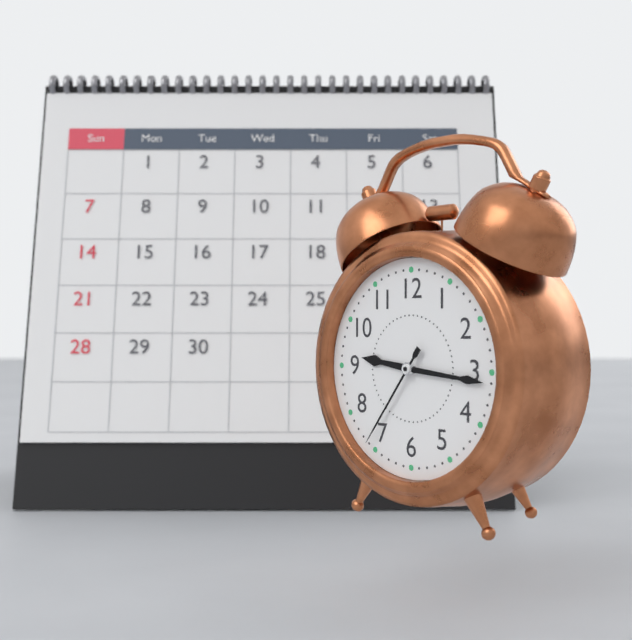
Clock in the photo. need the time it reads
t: 9:16:36
